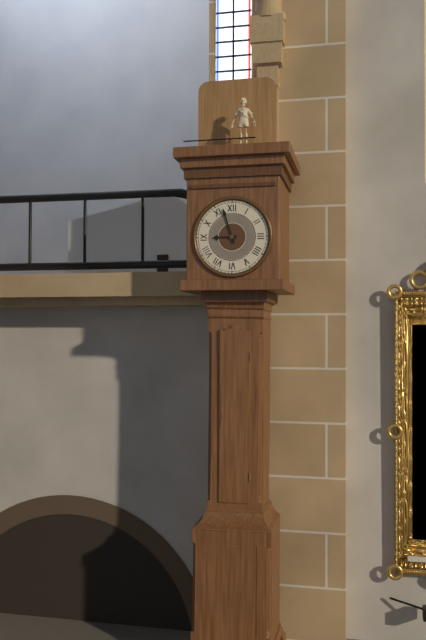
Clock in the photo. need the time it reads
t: 8:57
